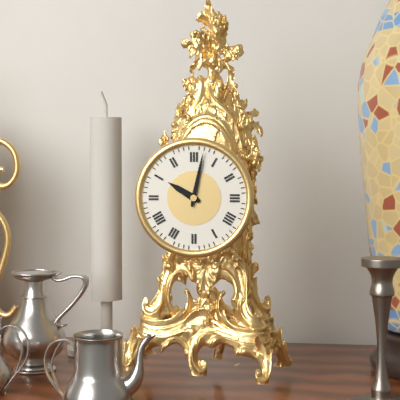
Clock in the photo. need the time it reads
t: 10:02
